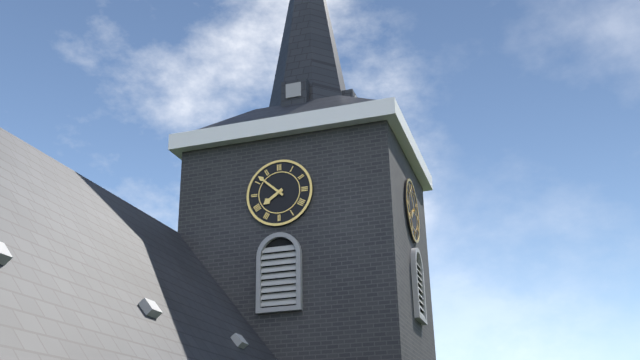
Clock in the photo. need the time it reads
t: 7:52
